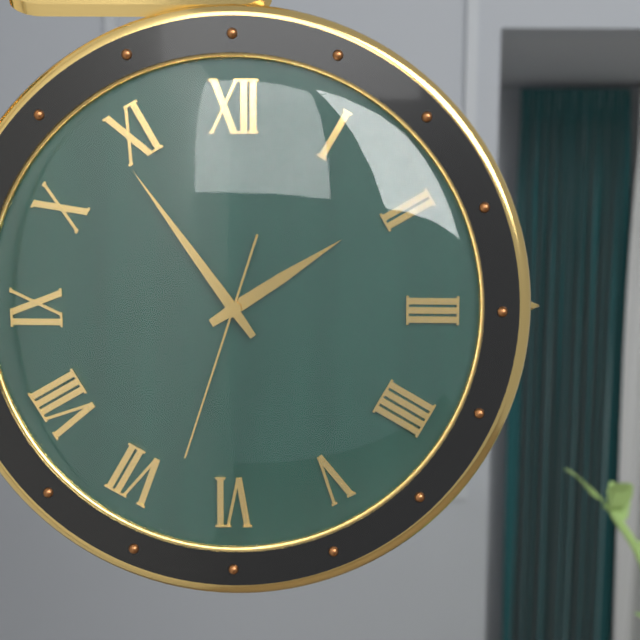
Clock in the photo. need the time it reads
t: 1:54:33
